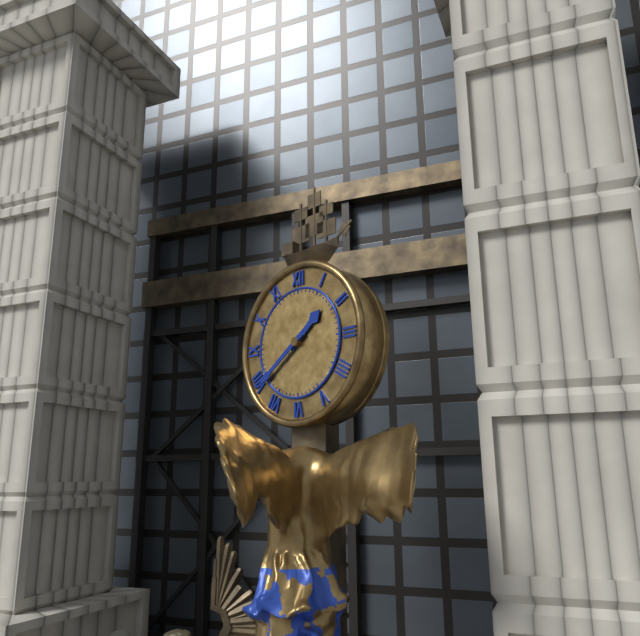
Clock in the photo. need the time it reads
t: 1:39
